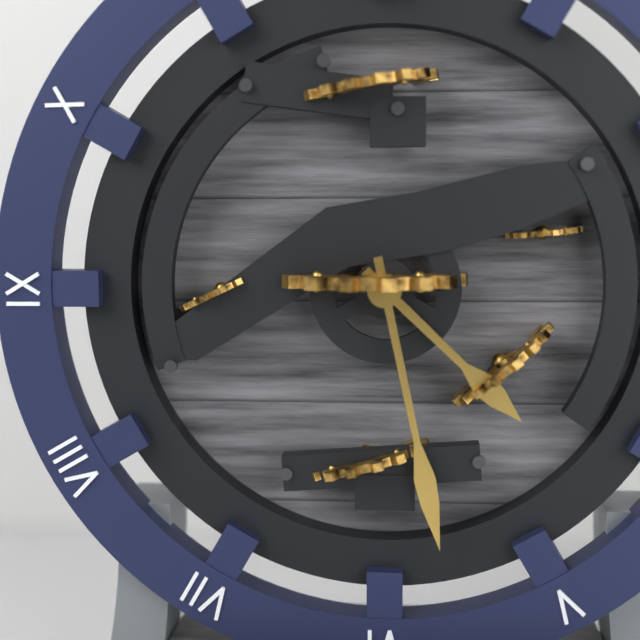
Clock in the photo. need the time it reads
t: 4:28
